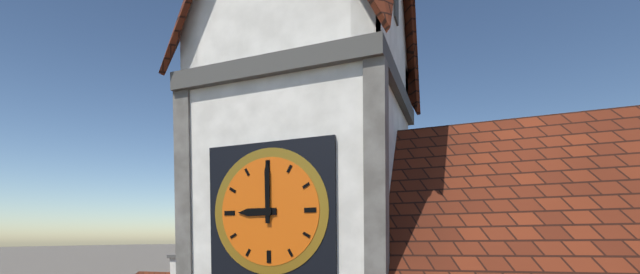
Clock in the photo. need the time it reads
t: 9:00
